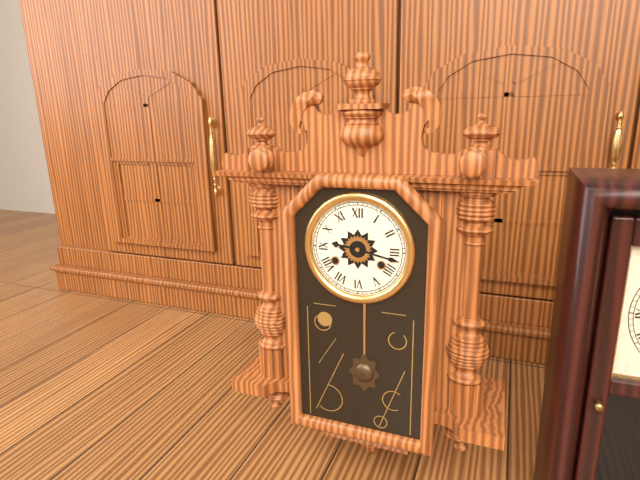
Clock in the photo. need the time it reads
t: 9:17
